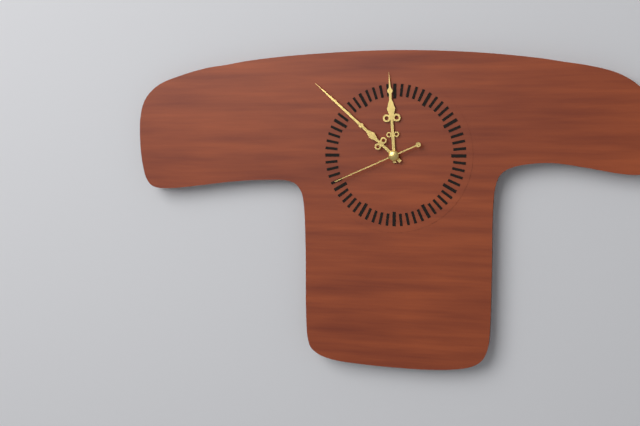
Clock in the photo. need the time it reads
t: 11:52:41
